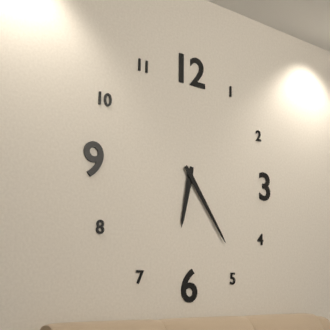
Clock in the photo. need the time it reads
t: 6:24
